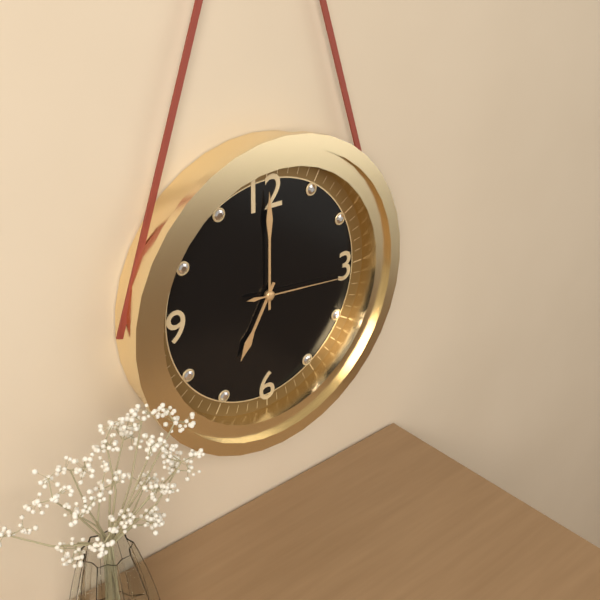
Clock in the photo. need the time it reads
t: 7:00:16
